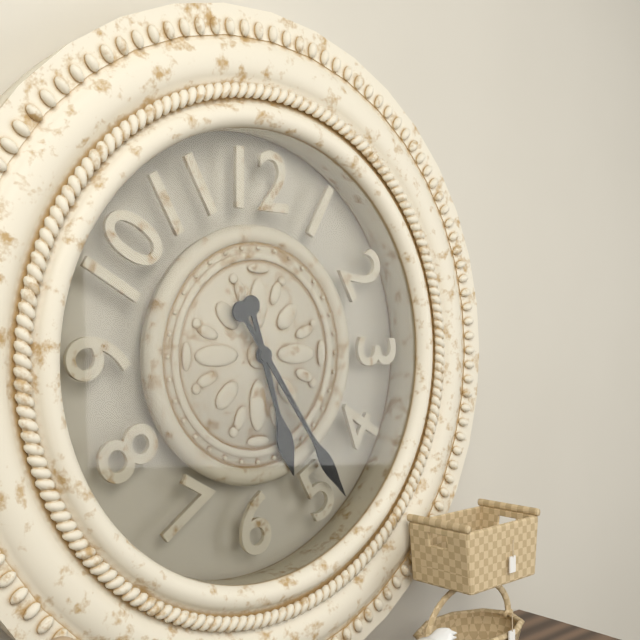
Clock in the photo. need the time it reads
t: 5:24
